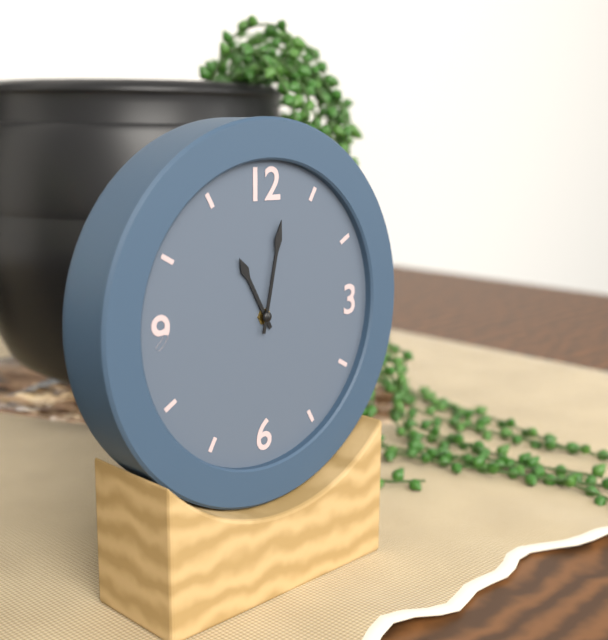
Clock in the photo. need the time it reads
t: 11:02
